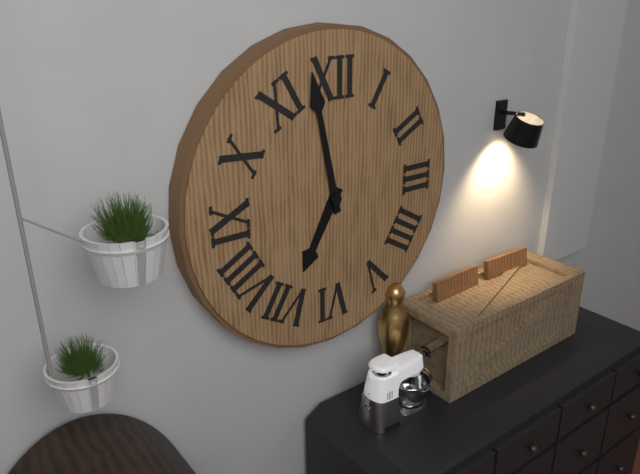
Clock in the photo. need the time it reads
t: 6:58
